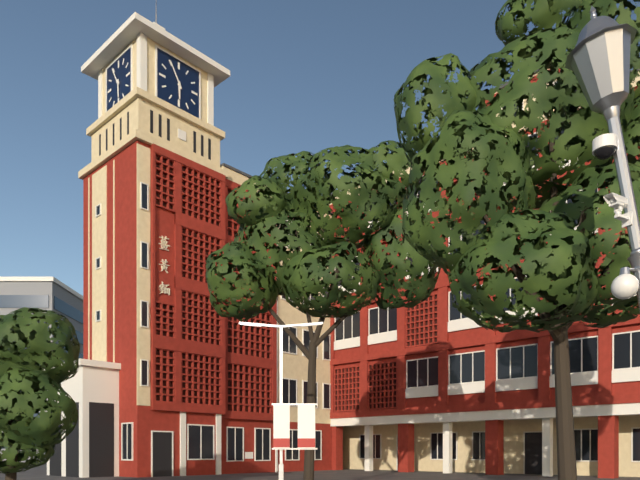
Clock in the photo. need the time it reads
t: 5:55
